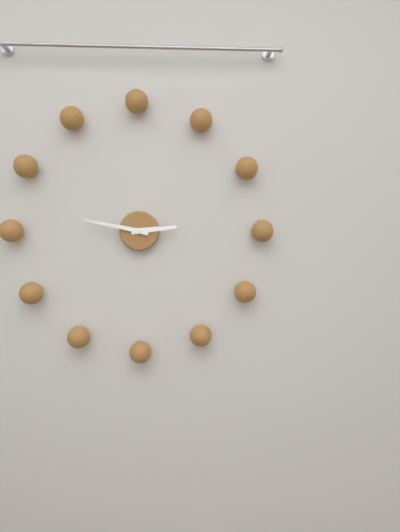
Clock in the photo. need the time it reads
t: 2:47
